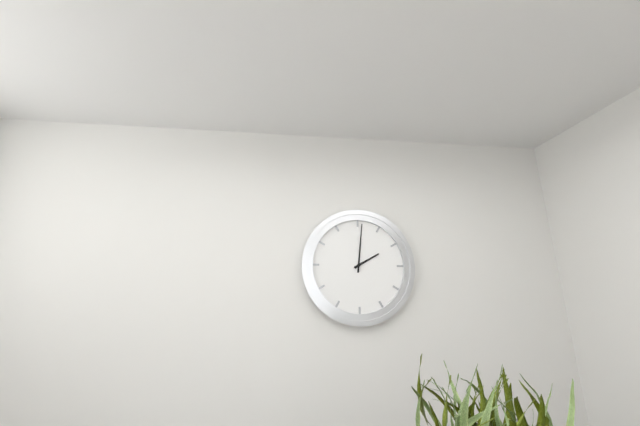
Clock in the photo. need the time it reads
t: 2:01
